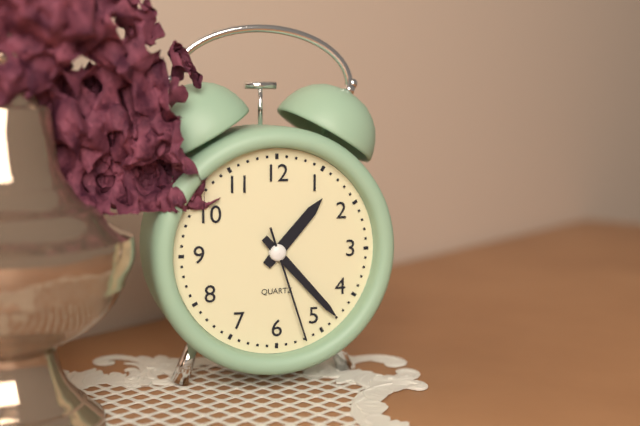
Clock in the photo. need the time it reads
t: 1:23:27
